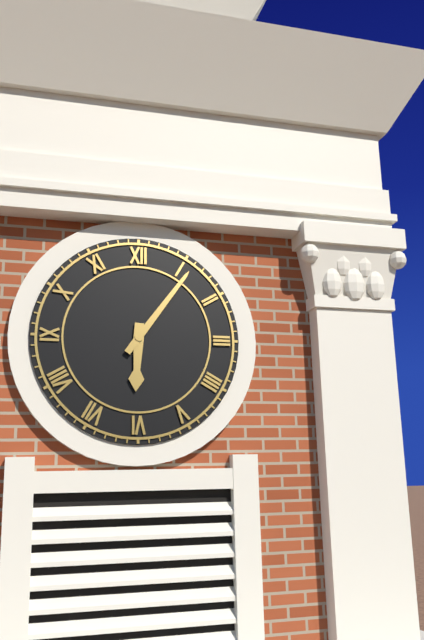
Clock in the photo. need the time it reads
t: 6:06
